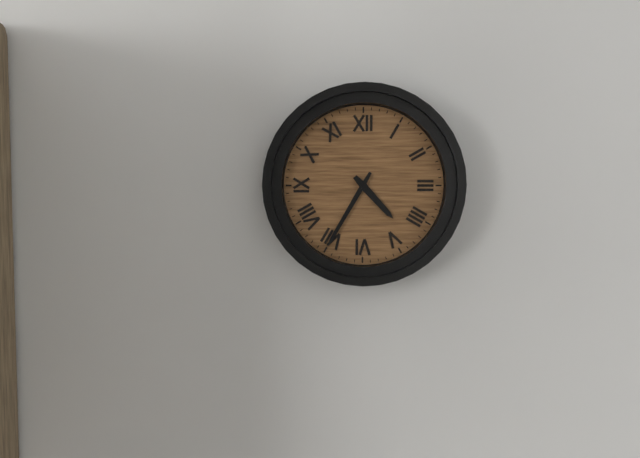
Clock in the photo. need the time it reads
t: 4:35
